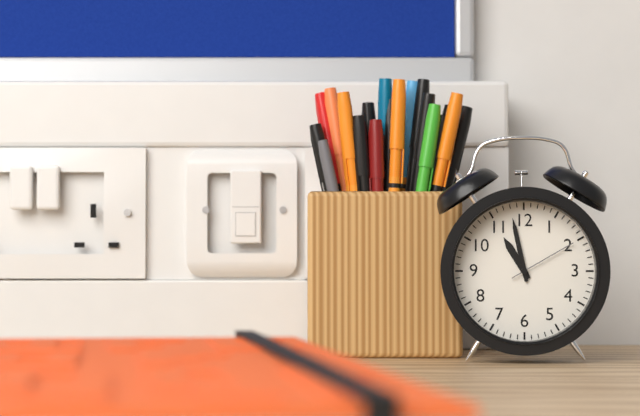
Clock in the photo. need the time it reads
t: 10:58:10
